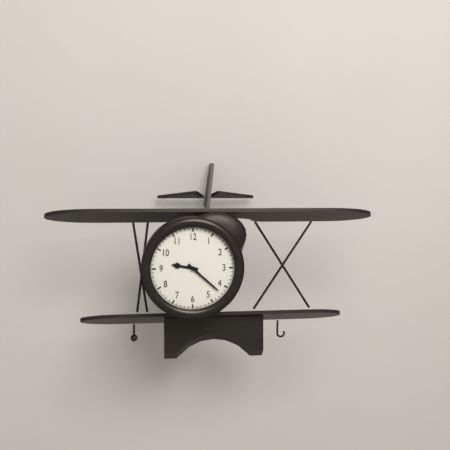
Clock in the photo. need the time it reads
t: 9:22
